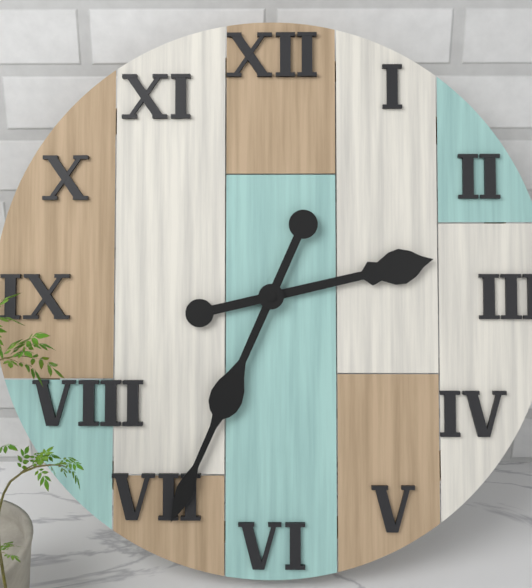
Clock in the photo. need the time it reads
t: 2:34
